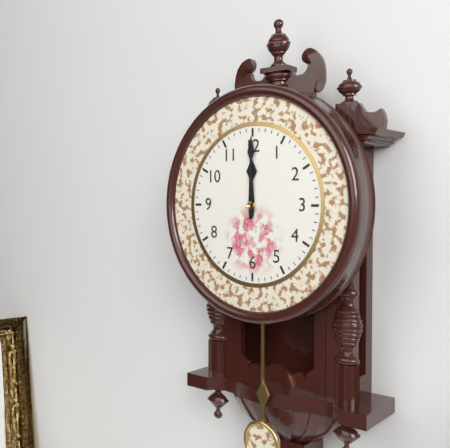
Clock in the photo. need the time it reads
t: 12:00
